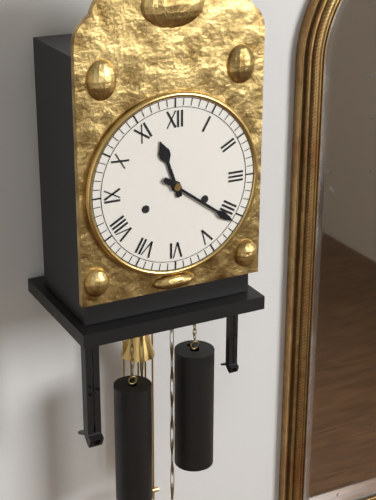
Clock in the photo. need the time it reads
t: 11:21
